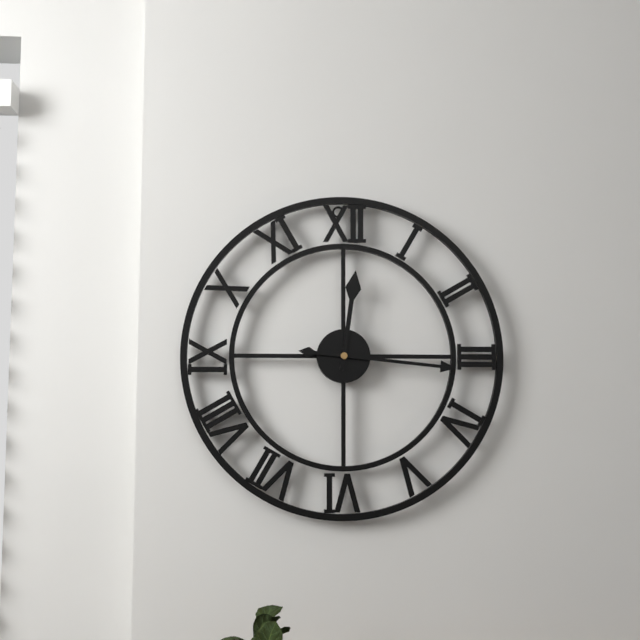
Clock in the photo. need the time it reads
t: 12:16
